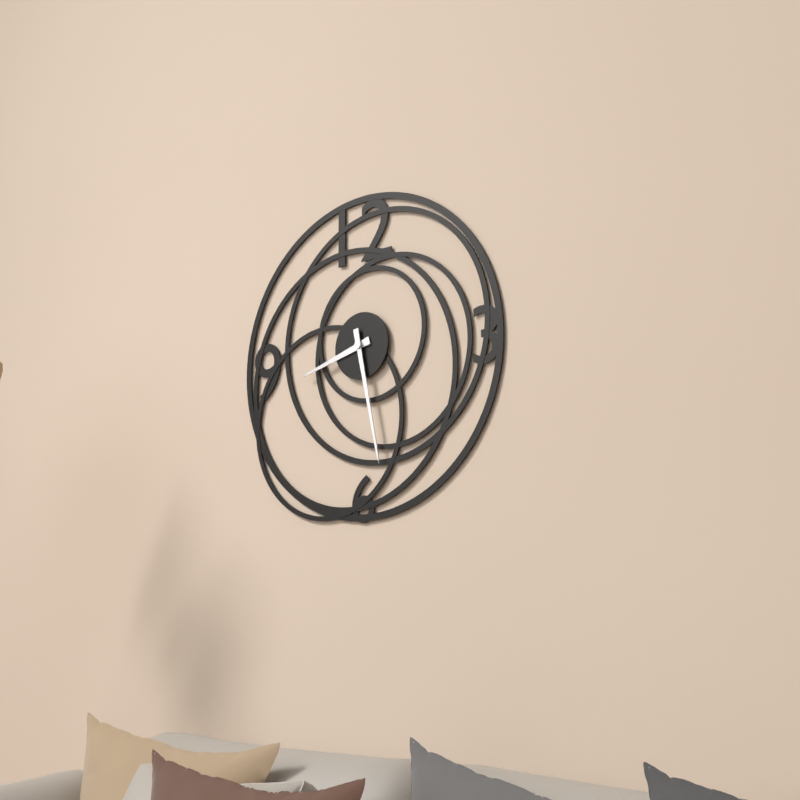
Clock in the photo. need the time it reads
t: 8:28
